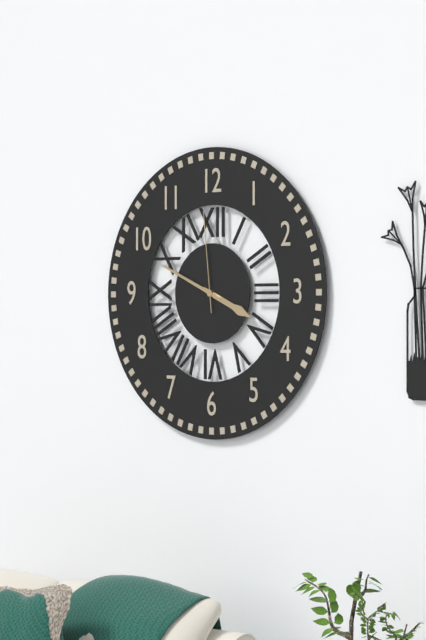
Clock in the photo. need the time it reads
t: 3:49:59
